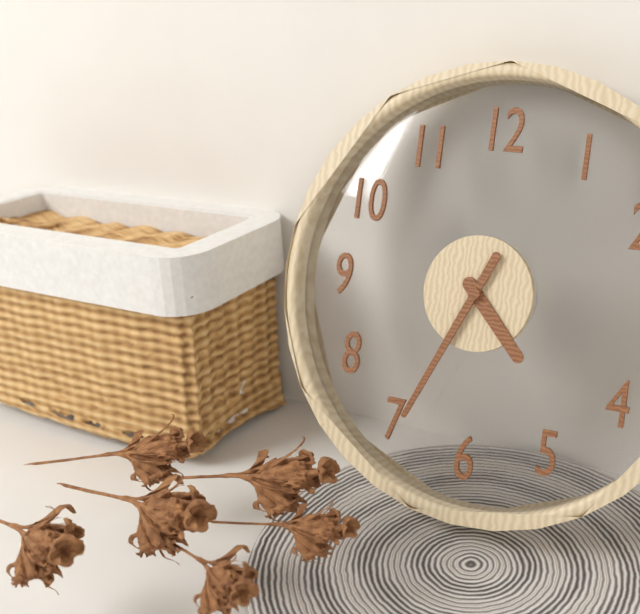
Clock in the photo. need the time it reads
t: 4:34
